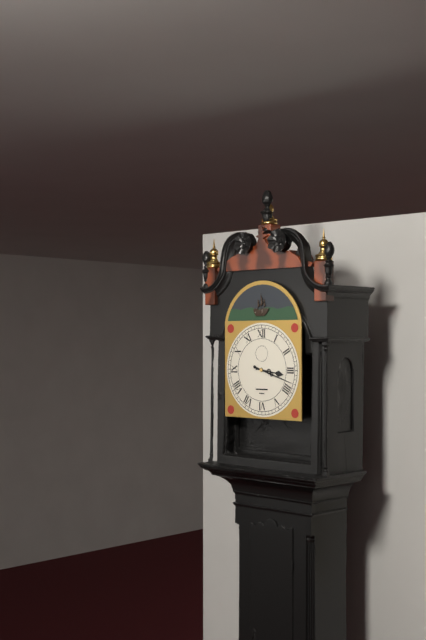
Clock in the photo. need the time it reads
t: 3:18
